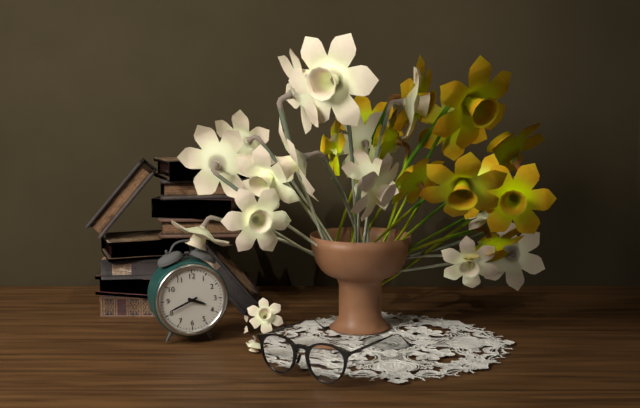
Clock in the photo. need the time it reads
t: 3:41
